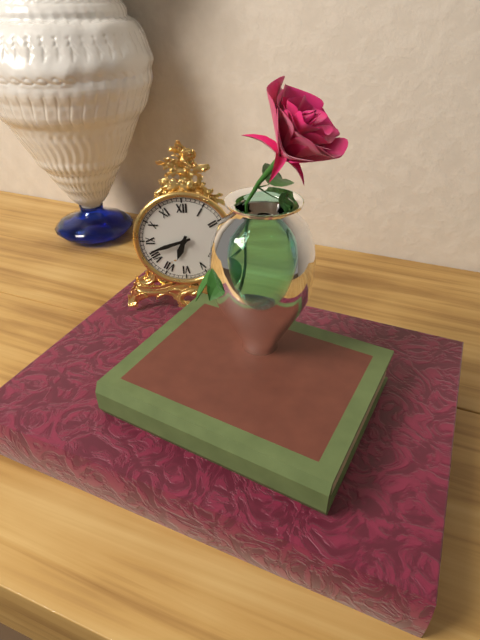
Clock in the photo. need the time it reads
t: 6:42
